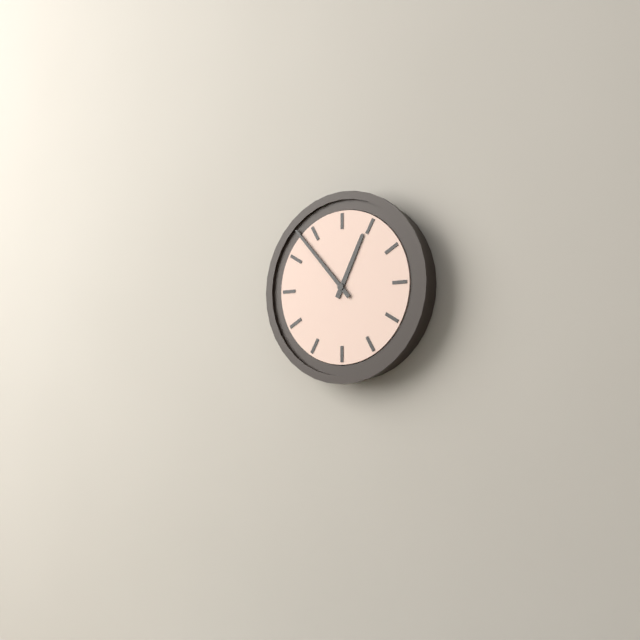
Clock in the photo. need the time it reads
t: 12:53
